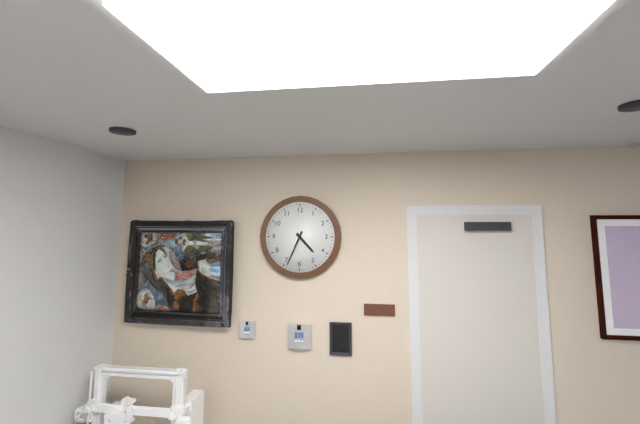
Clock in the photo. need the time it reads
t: 4:34
